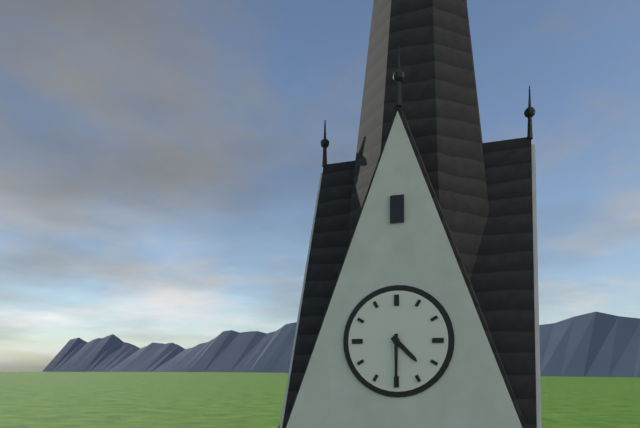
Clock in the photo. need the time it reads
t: 4:30
